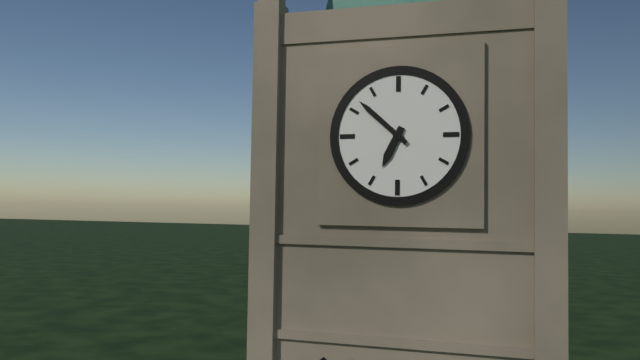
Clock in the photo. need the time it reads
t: 6:52
